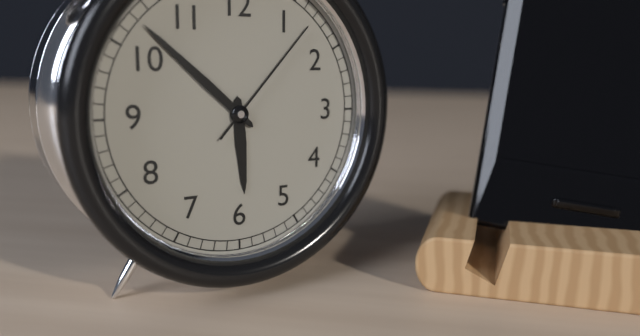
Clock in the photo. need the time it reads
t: 5:52:07
